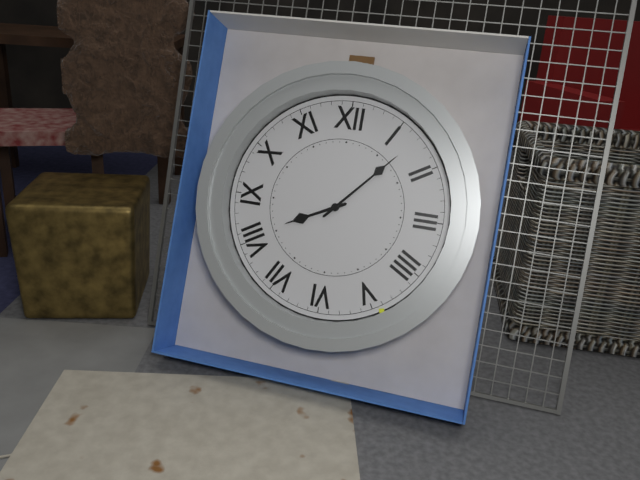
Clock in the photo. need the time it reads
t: 8:07
